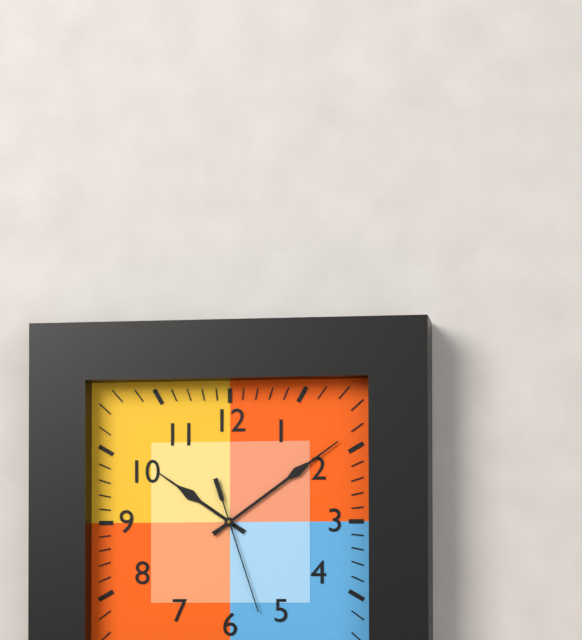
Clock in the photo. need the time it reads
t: 10:09:27
